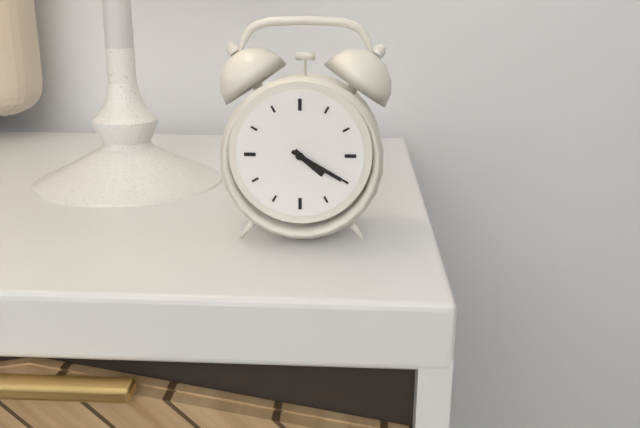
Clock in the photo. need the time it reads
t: 4:20
